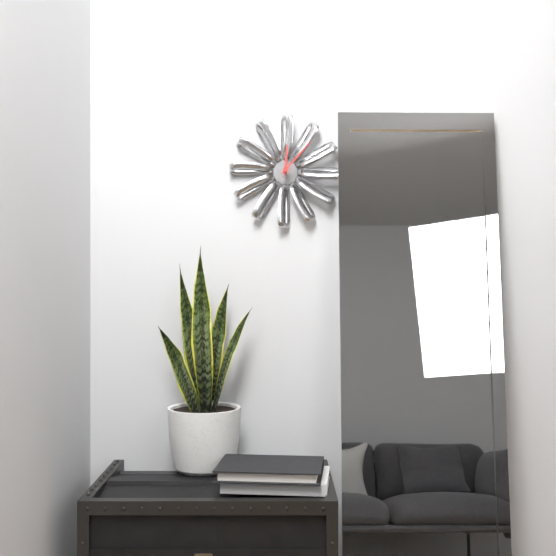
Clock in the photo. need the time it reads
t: 12:07
